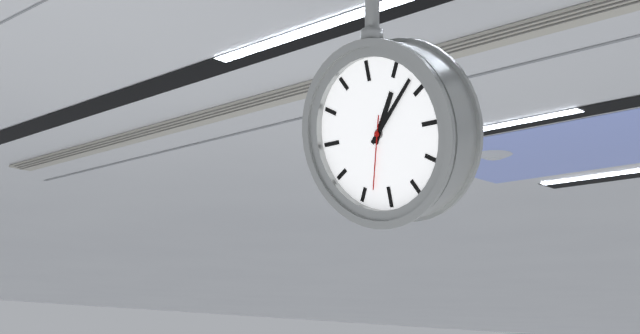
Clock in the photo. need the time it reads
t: 1:08:33
